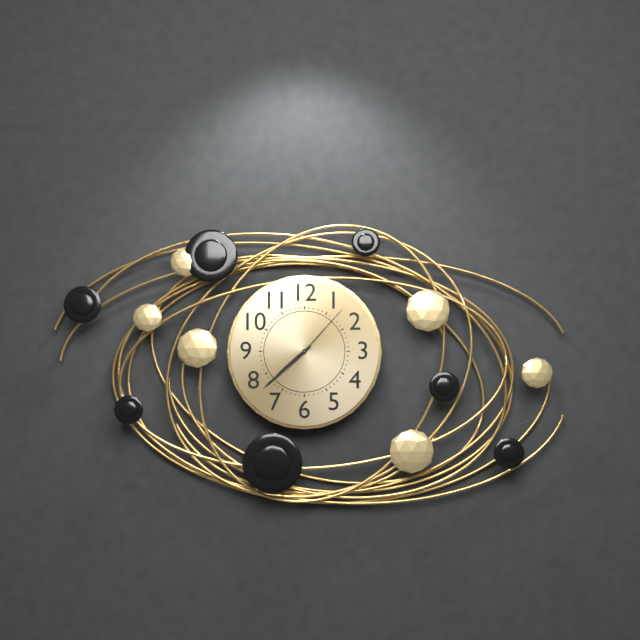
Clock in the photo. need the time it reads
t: 7:38:07
